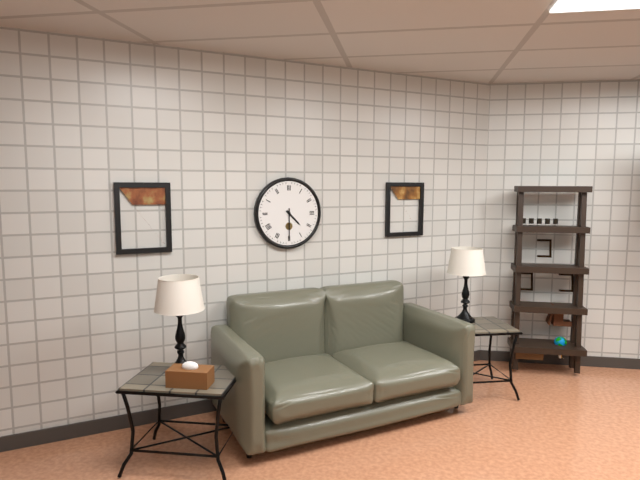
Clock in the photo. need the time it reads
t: 4:30
